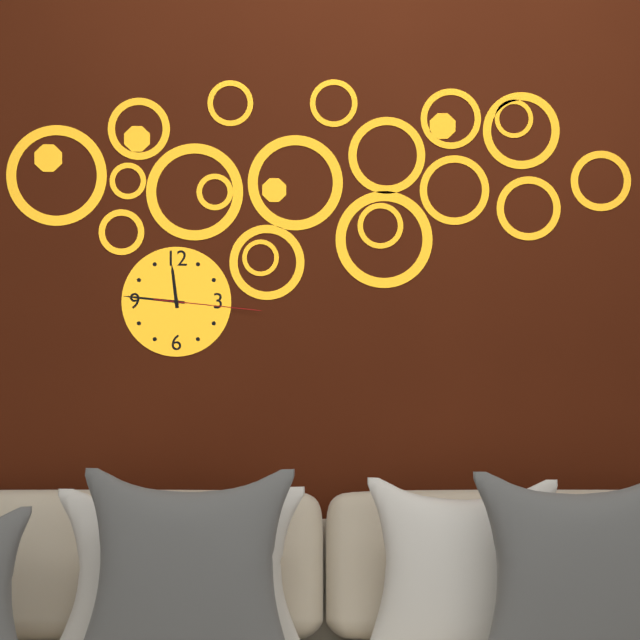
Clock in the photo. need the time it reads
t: 11:46:16
